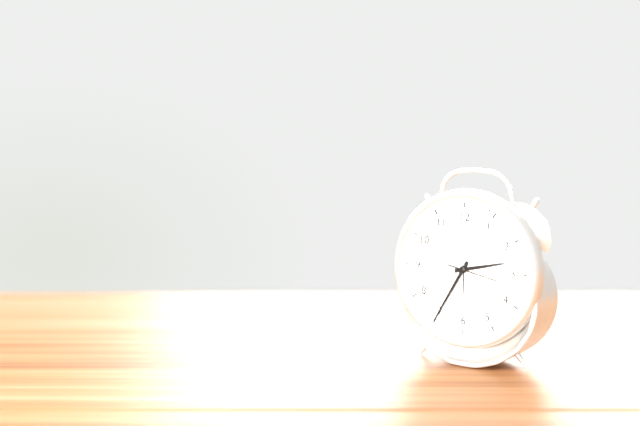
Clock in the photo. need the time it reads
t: 2:35:17
